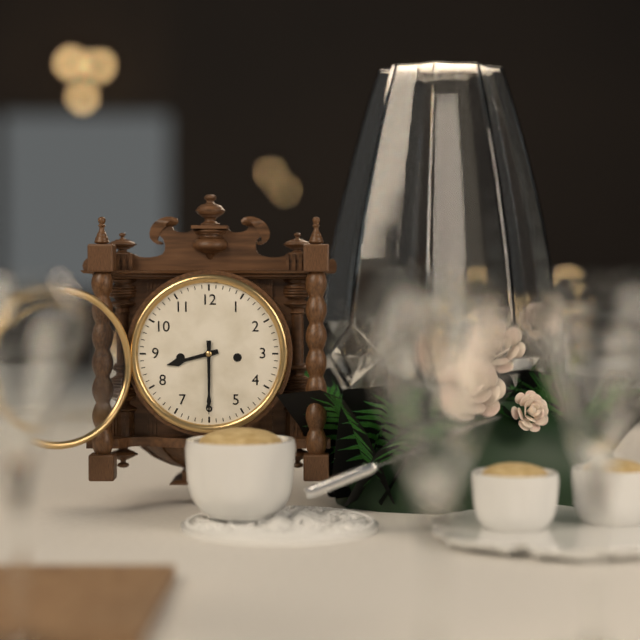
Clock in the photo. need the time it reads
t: 8:30
